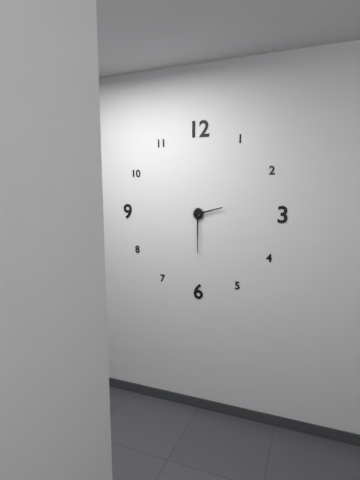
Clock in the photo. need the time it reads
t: 2:30
